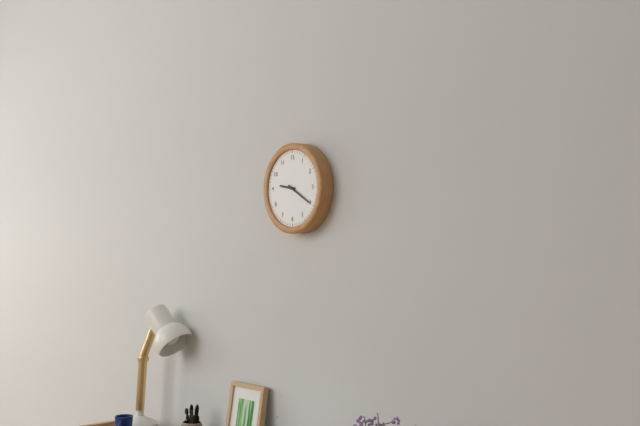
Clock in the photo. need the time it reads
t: 9:20
